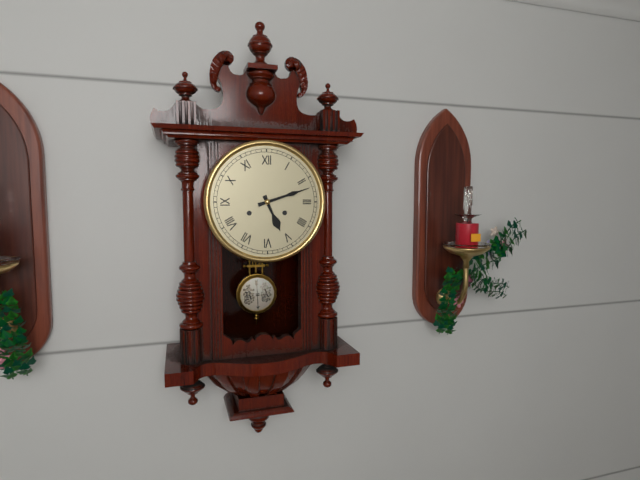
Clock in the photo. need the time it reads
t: 5:12
